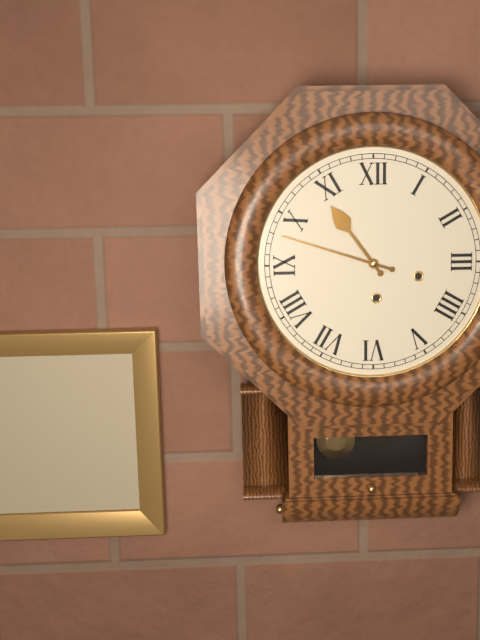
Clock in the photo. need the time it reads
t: 10:48
